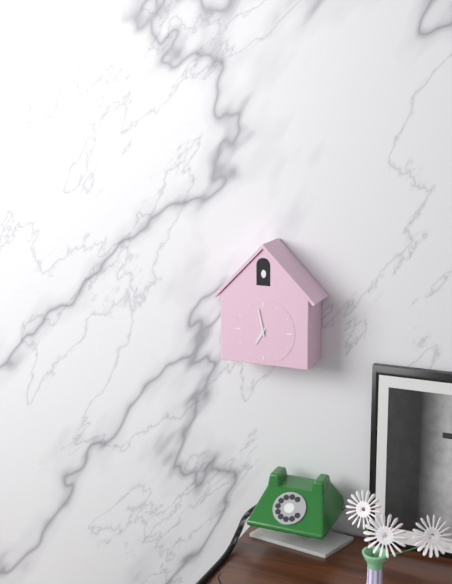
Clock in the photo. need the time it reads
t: 6:58
